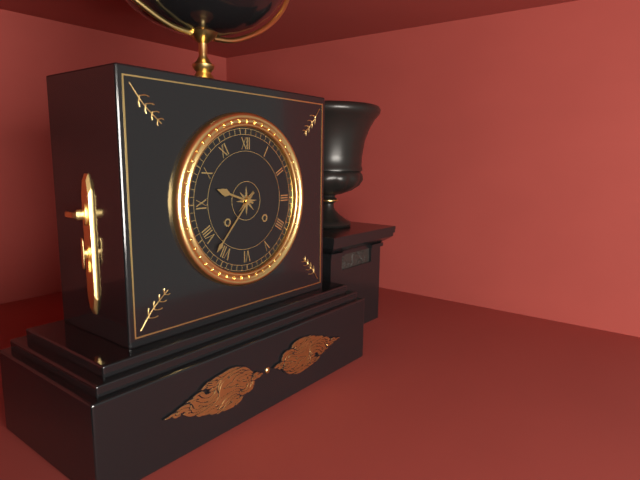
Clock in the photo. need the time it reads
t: 9:37
